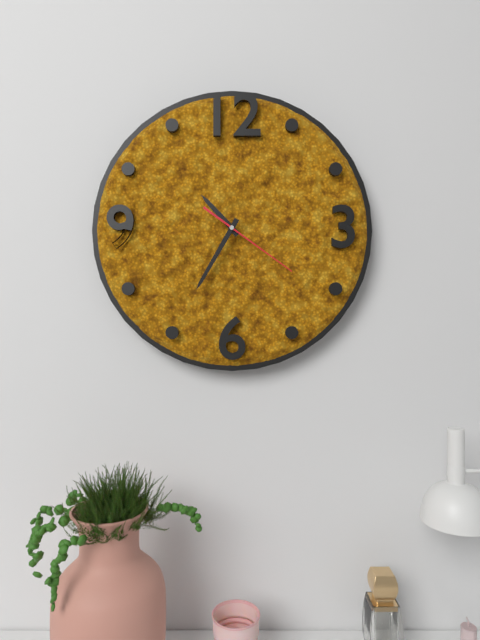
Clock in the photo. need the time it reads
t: 10:35:21
